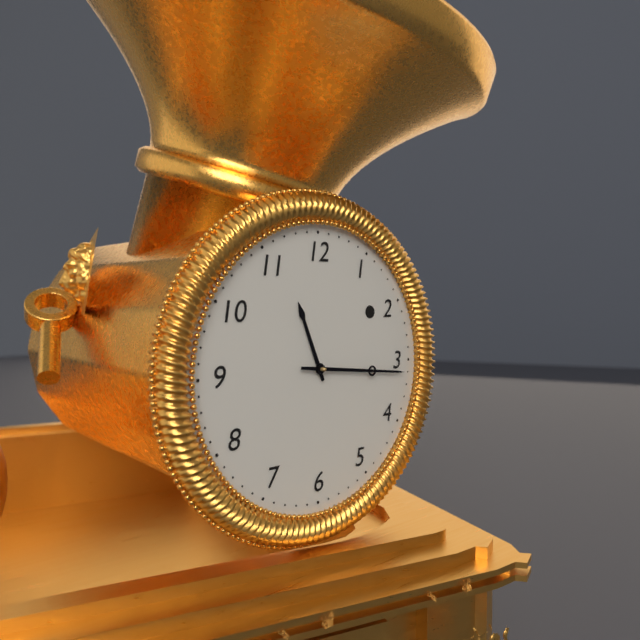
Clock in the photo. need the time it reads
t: 11:16
